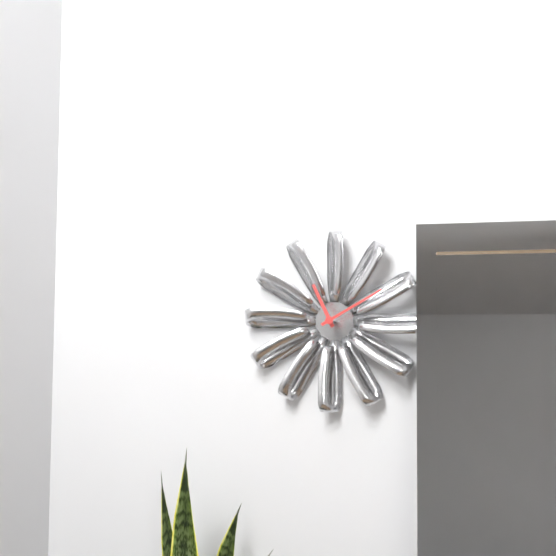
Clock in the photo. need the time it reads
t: 11:10
